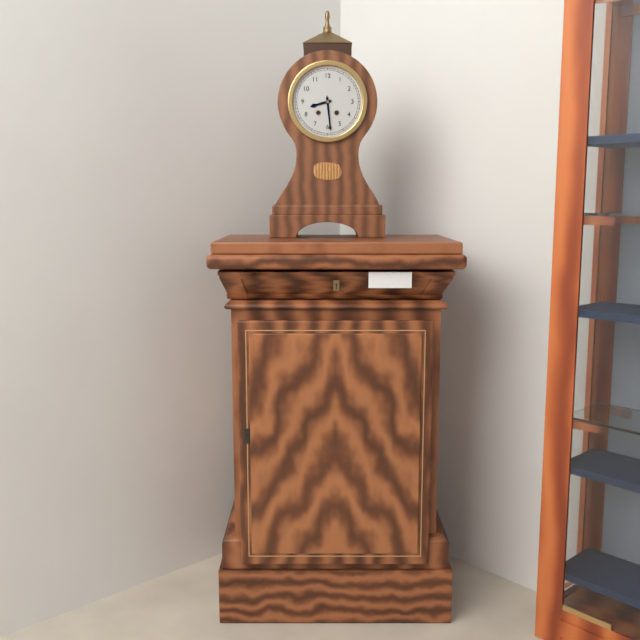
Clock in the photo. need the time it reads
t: 8:29
